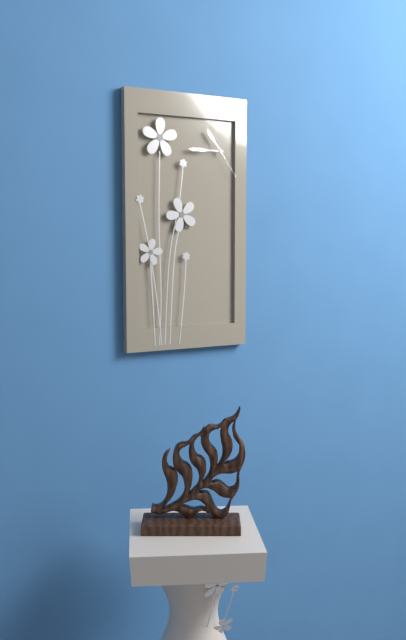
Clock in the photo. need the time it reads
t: 10:45
